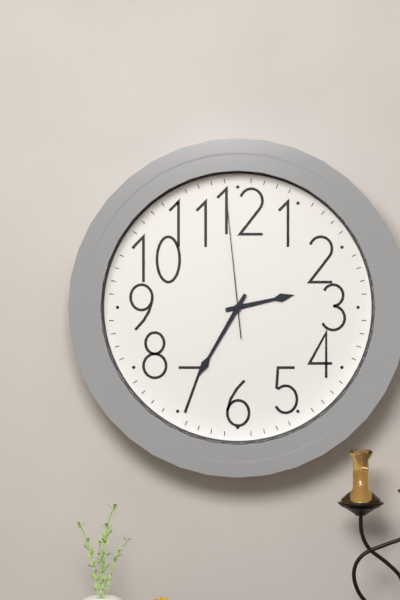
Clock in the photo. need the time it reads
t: 2:35:59
